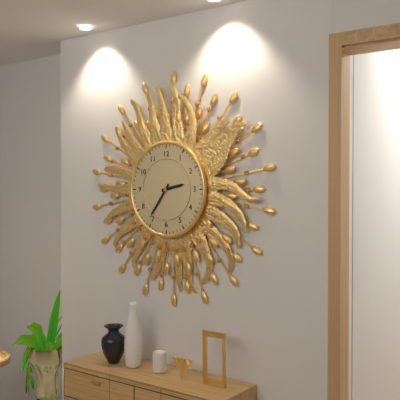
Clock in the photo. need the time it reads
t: 2:36
